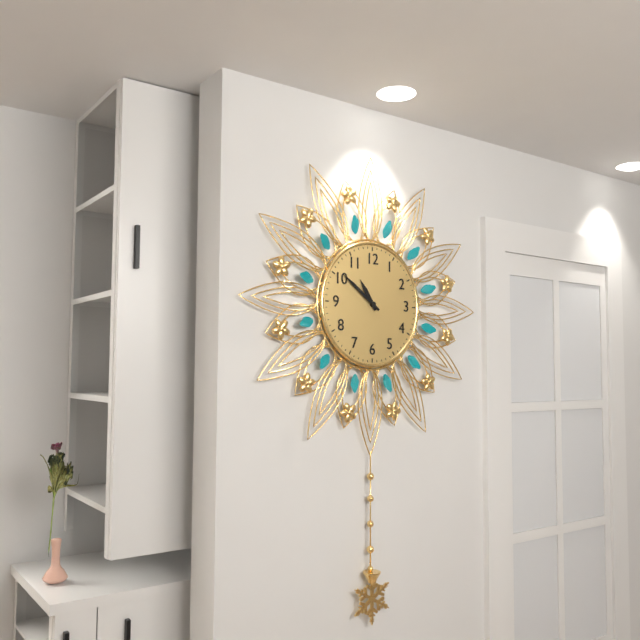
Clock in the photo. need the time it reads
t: 10:51
